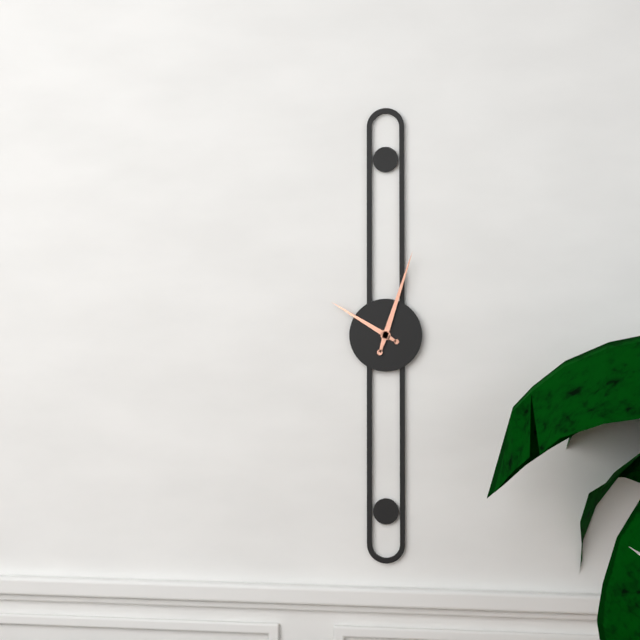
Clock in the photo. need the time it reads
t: 10:03
